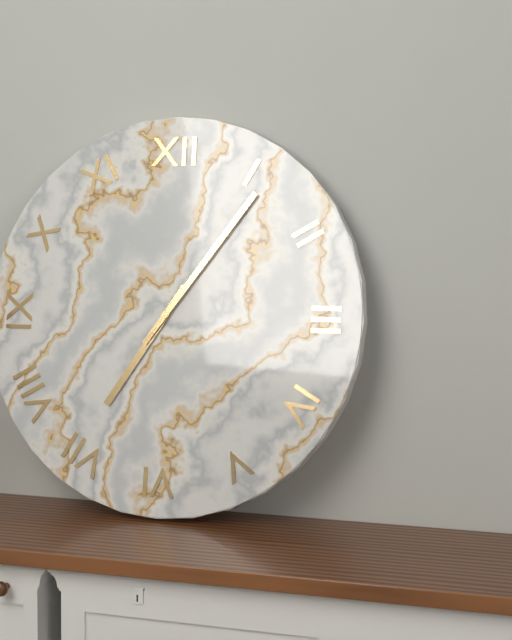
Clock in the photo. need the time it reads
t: 7:06
